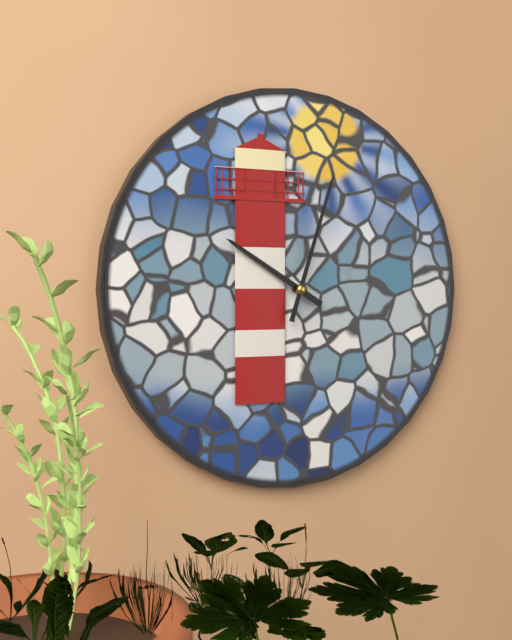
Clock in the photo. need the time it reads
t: 10:03
